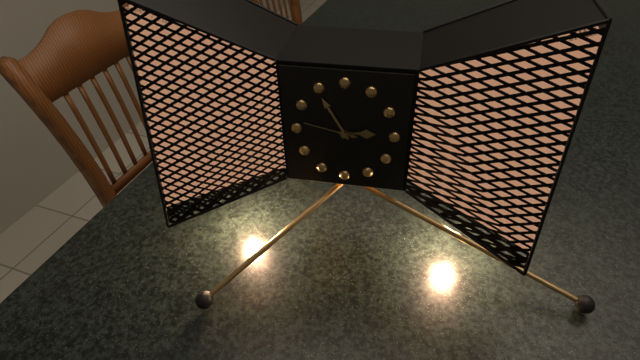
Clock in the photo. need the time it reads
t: 2:55:47
